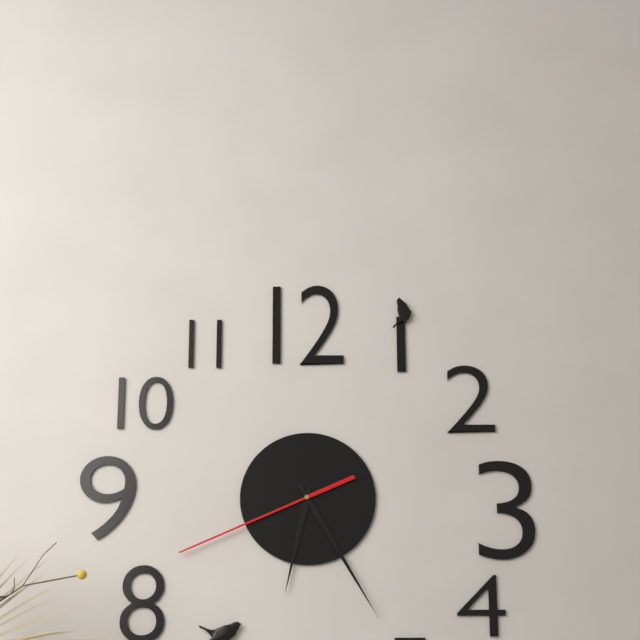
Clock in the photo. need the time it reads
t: 6:25:41
